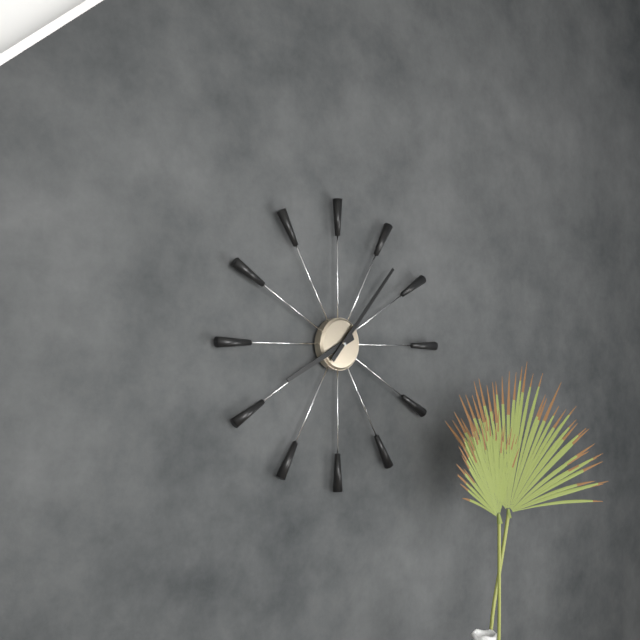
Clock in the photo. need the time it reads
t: 8:07
